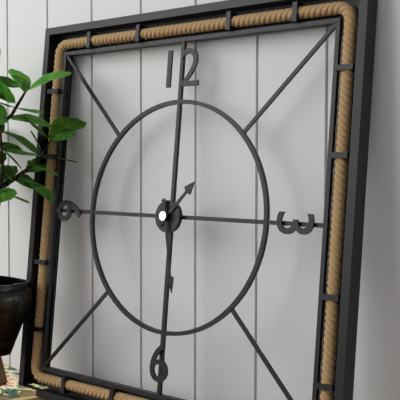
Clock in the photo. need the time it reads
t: 1:28
